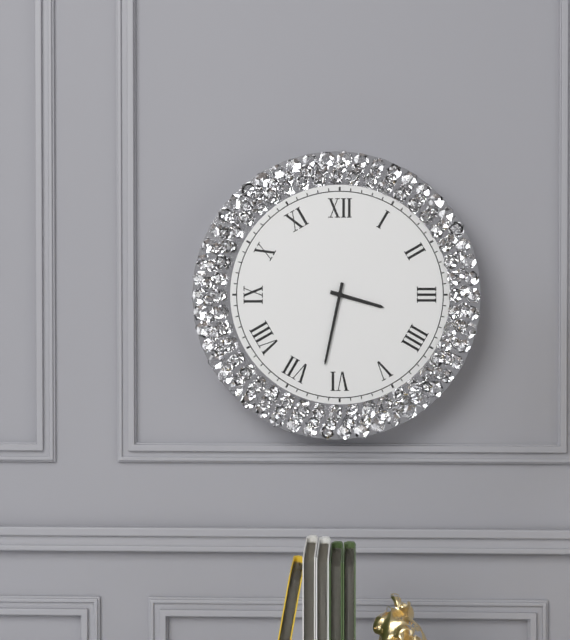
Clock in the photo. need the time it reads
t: 3:32
